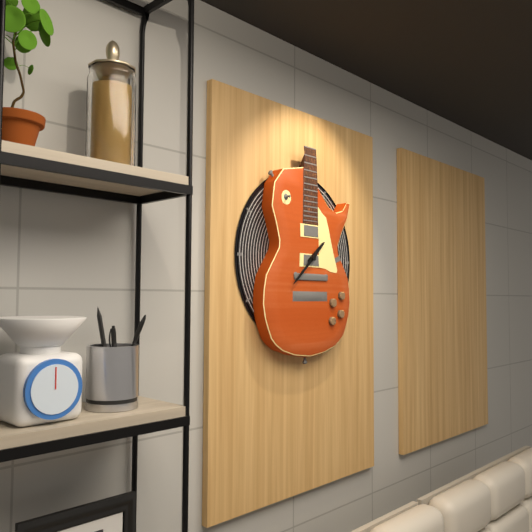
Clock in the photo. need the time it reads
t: 1:38
